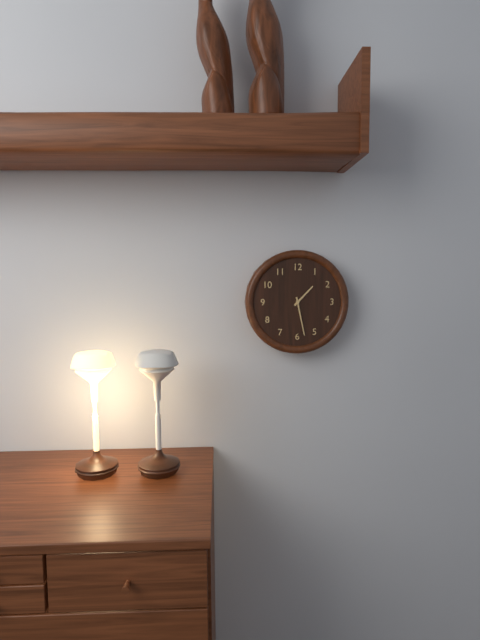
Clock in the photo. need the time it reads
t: 1:28
